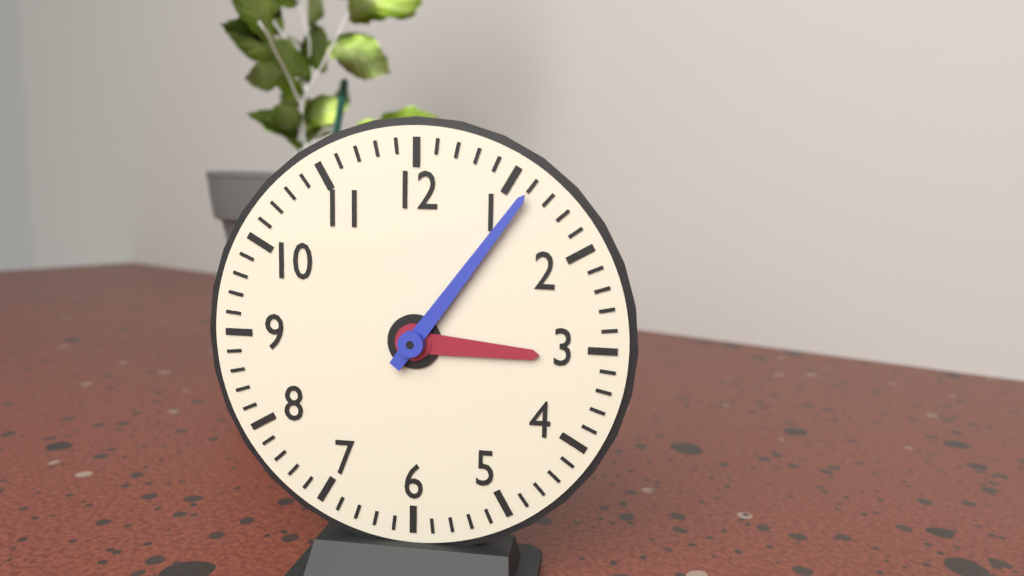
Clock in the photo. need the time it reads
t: 3:06
